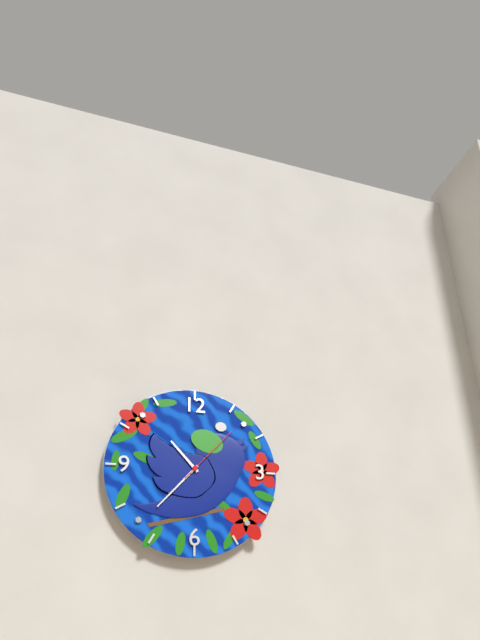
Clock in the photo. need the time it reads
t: 10:37:07
